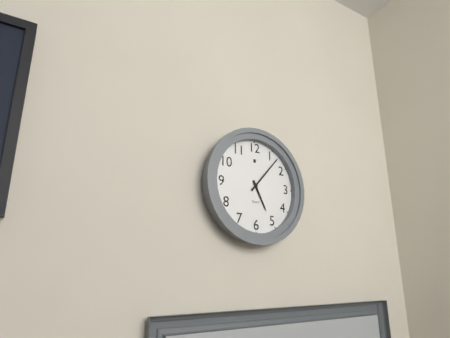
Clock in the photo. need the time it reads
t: 5:07
